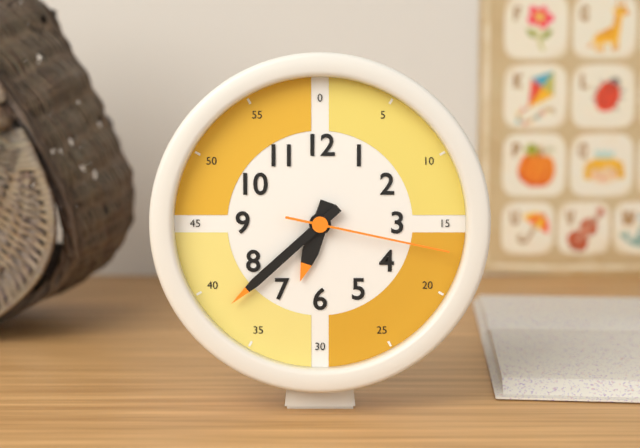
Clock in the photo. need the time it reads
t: 6:38:17
